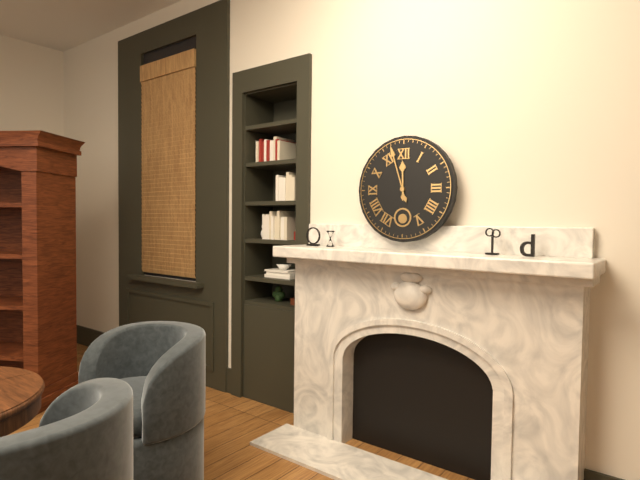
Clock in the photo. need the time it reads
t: 11:57
